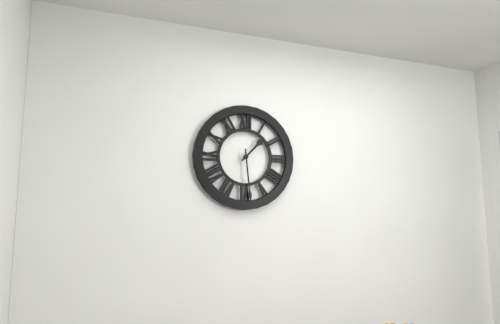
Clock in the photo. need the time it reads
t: 1:29
